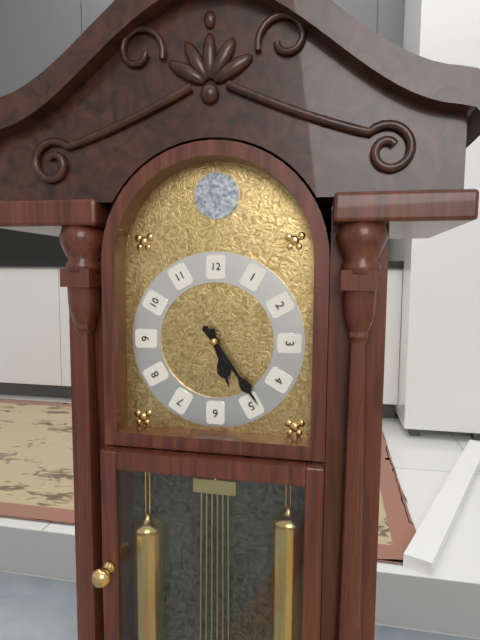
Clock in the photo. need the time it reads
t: 5:24
